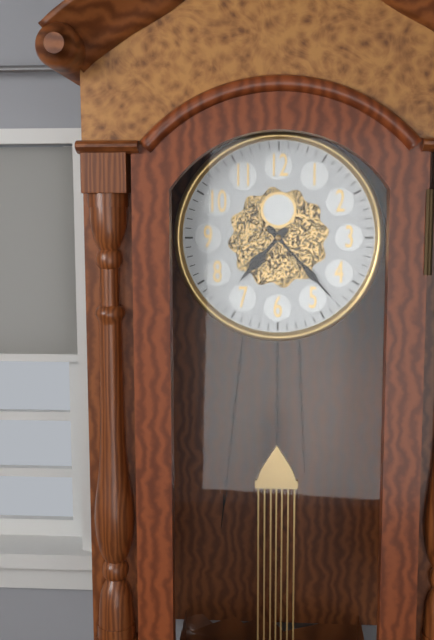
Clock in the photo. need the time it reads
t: 7:23
